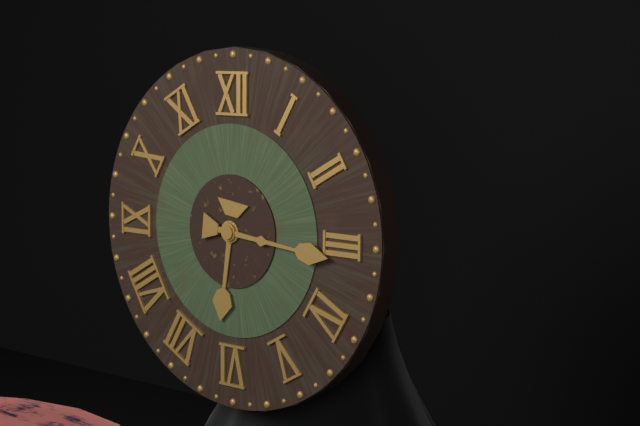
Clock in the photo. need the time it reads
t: 6:16
